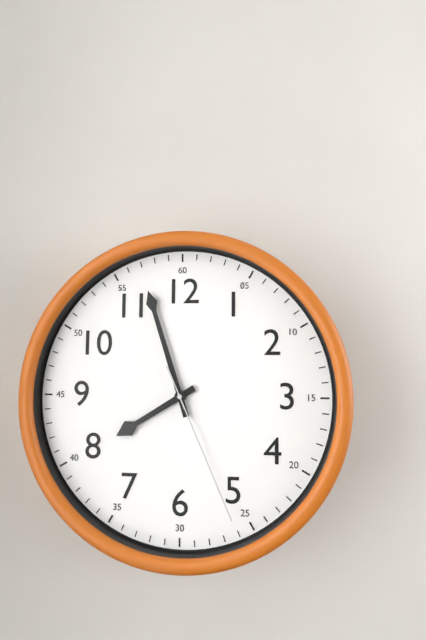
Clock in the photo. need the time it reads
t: 7:57:26
